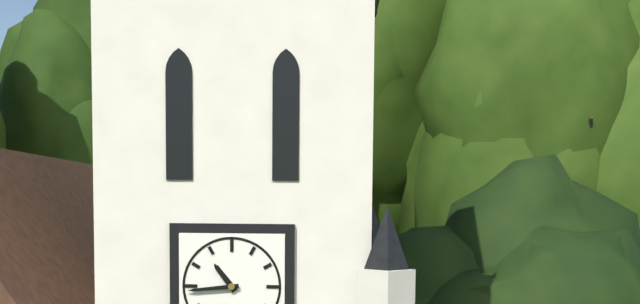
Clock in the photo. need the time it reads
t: 10:44
